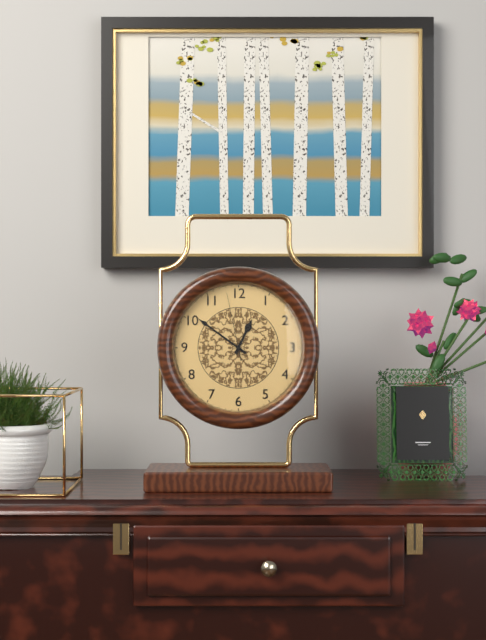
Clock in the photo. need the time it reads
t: 12:51:58
